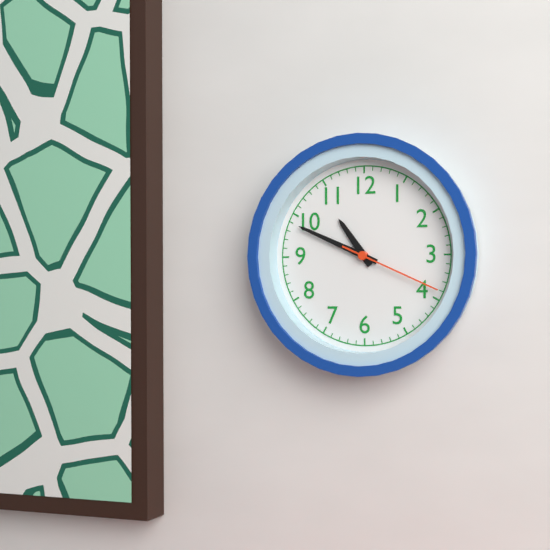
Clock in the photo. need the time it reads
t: 10:49:19
